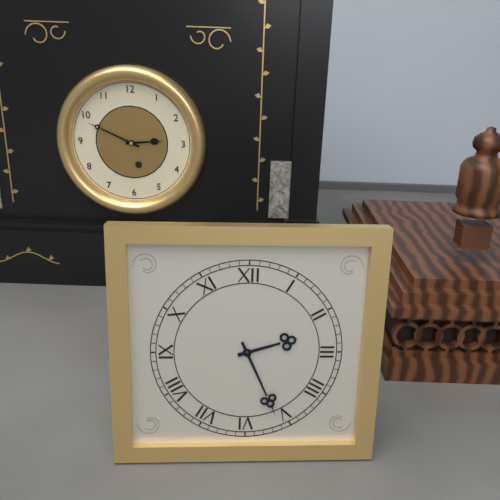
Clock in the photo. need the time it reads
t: 2:26
